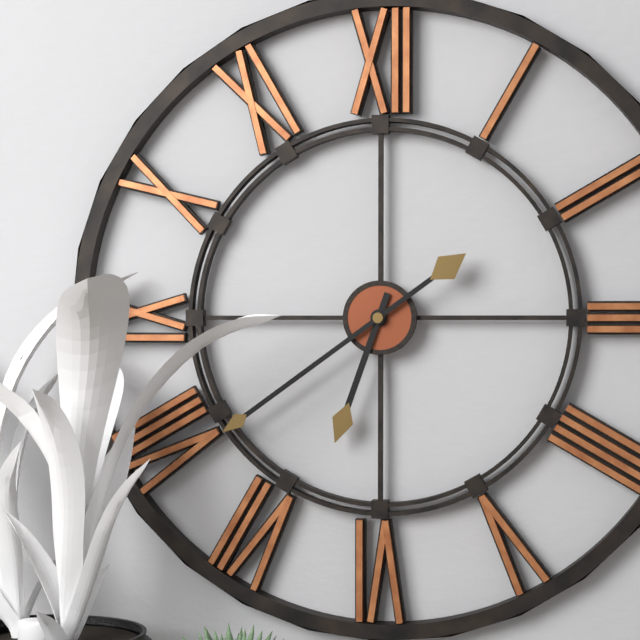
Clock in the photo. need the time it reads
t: 6:39
